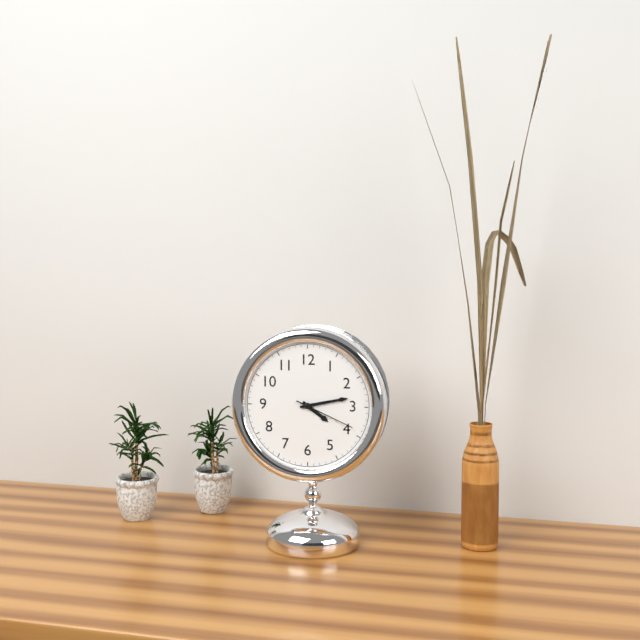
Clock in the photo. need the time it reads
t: 4:13:19
